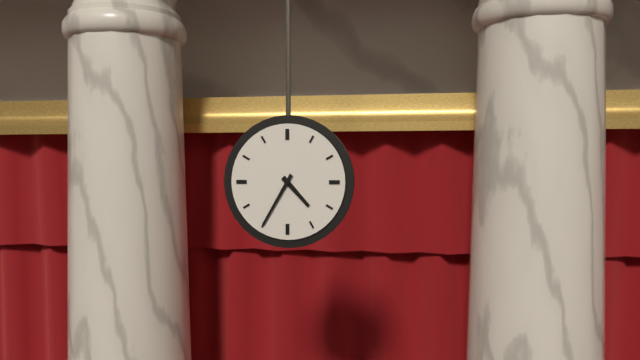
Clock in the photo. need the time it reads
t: 4:35
